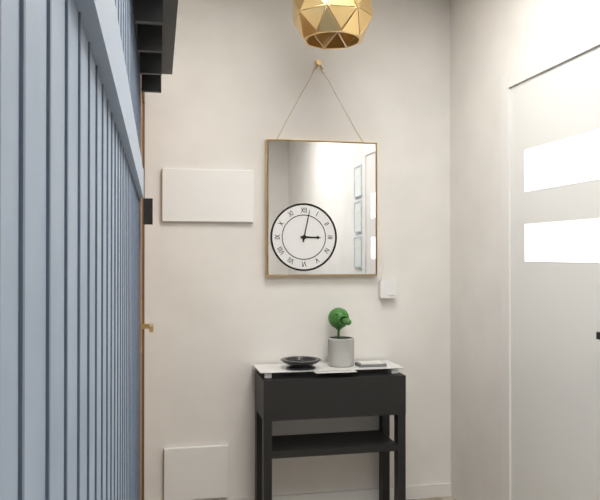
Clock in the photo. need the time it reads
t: 3:02
